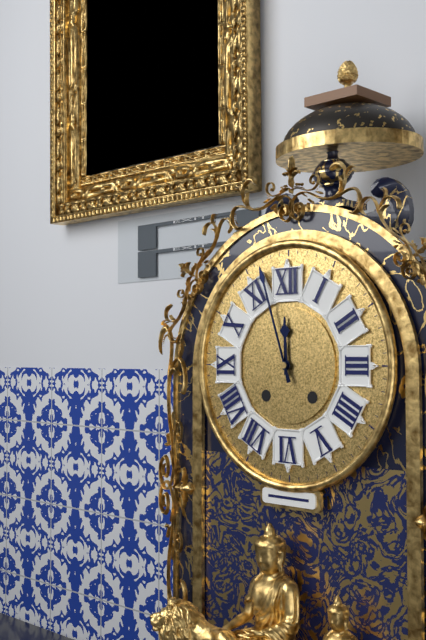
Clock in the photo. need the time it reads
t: 11:57
